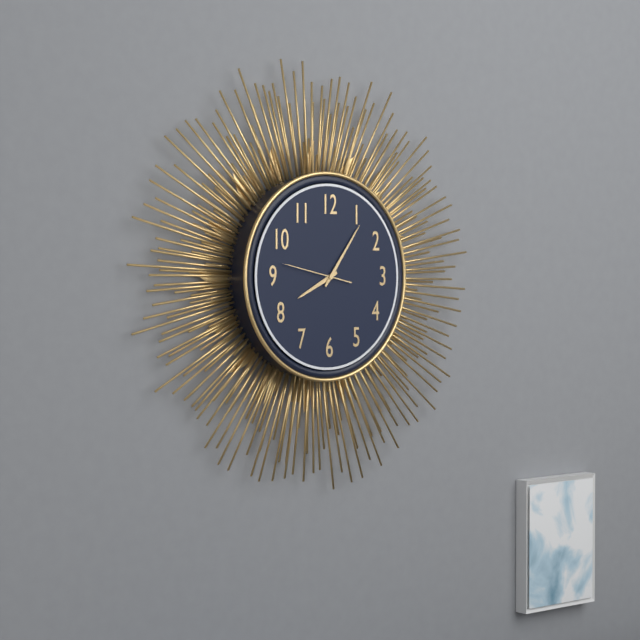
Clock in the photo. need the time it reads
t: 8:06:47
